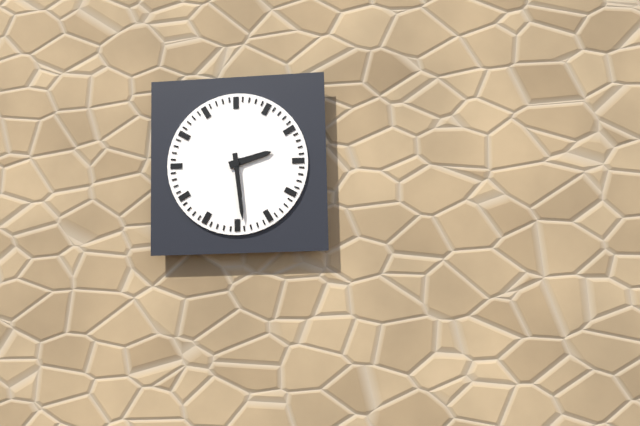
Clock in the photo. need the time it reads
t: 2:29
